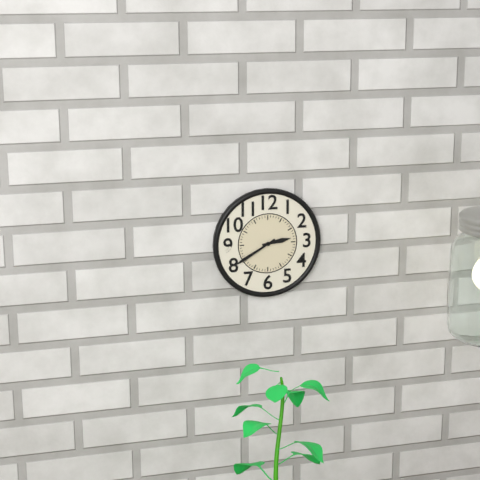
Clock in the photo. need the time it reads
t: 2:40
